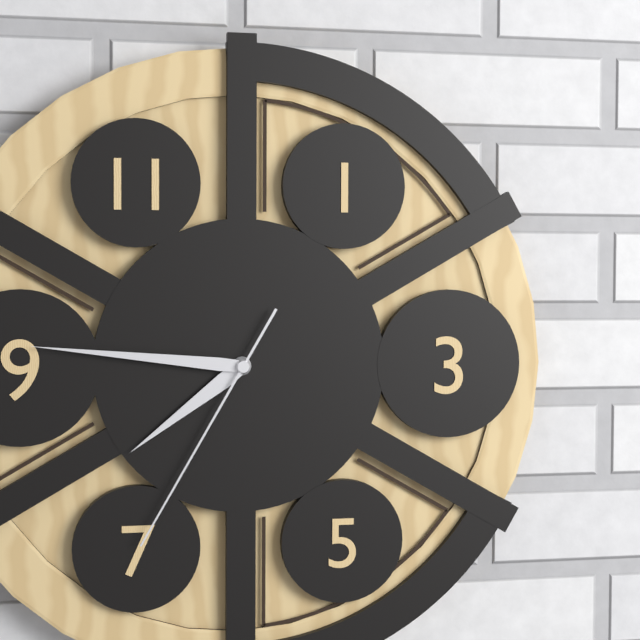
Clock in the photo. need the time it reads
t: 7:46:35
